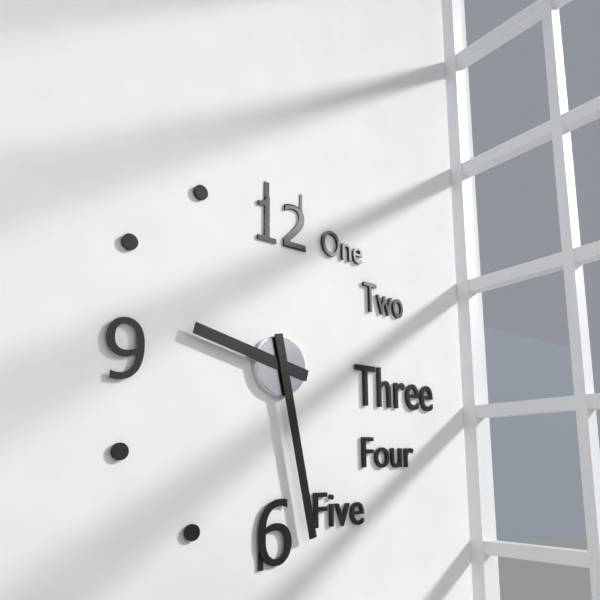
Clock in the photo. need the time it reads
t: 9:28
